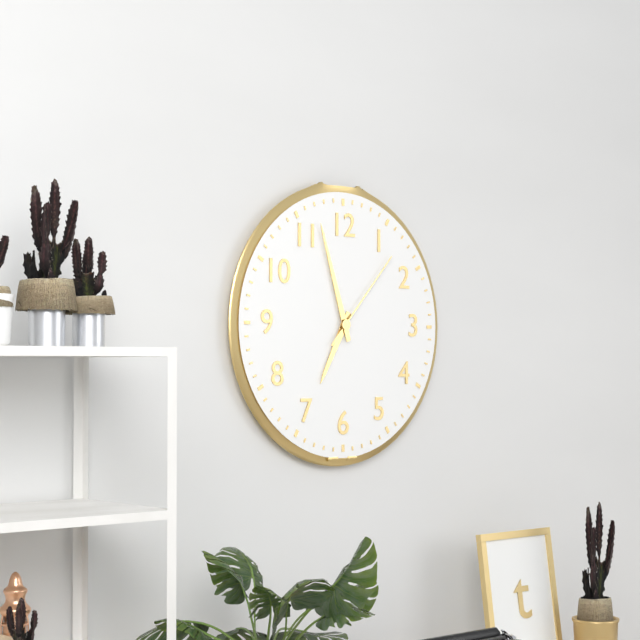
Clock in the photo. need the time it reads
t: 6:57:07
